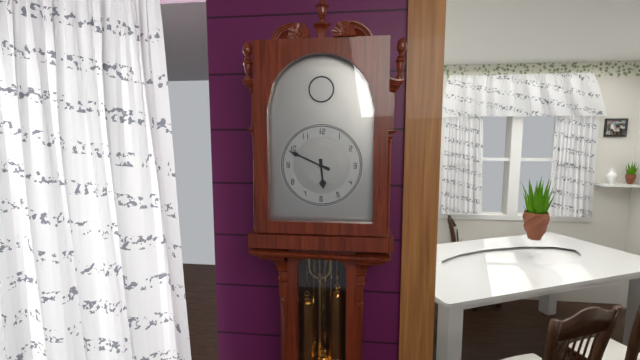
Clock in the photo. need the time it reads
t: 5:49
